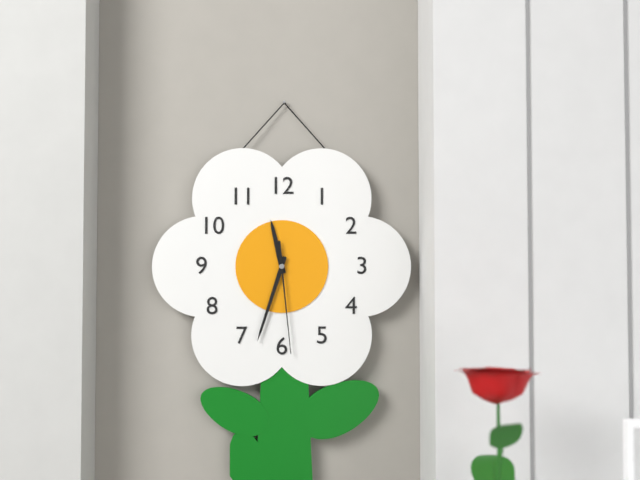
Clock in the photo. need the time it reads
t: 11:33:29
